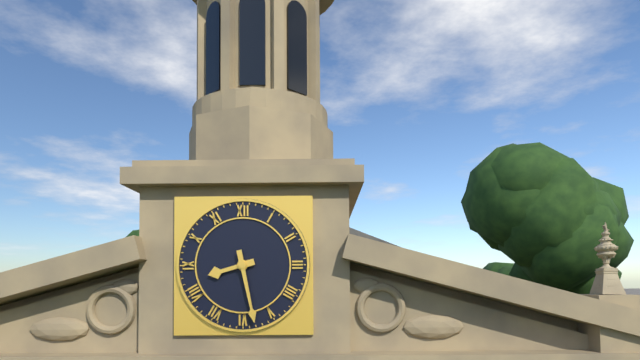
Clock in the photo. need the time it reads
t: 8:28
